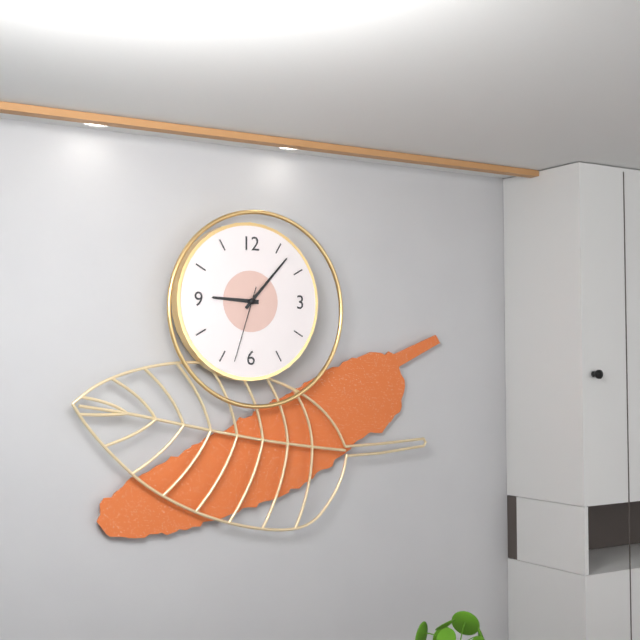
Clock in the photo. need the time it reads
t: 9:07:33
